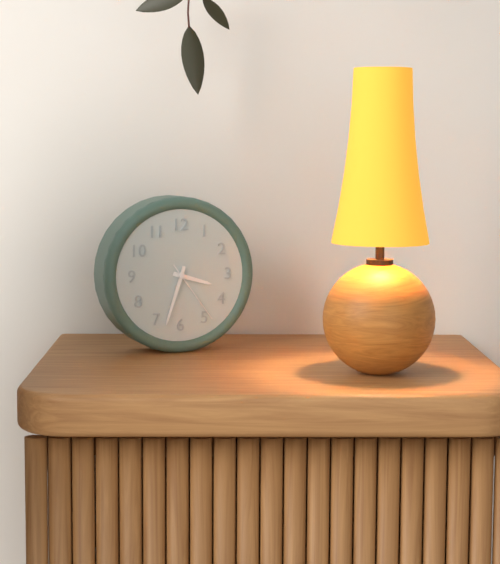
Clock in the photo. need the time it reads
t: 3:33:24
